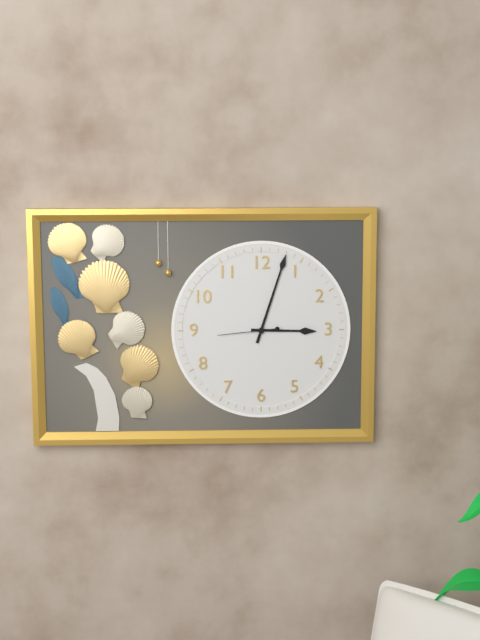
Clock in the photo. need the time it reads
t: 3:03:44
